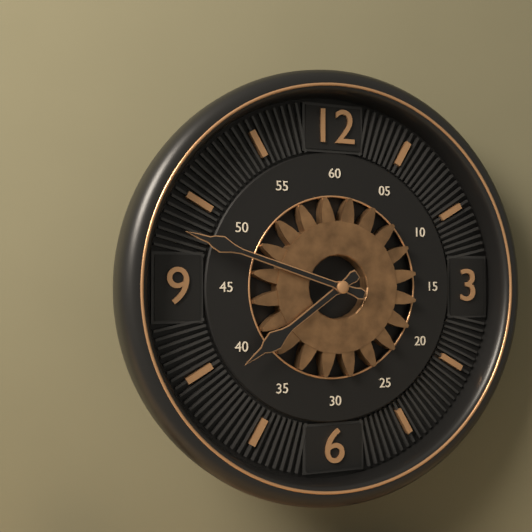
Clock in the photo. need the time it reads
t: 7:48
